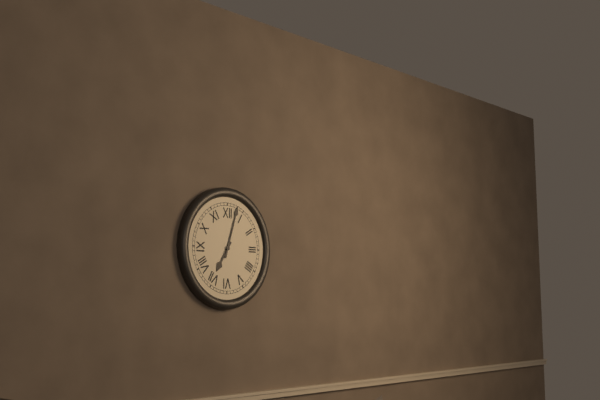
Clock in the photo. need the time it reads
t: 7:03
